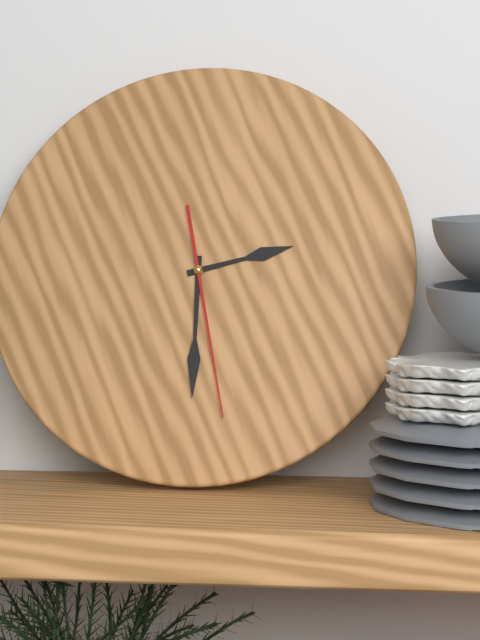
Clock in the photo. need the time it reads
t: 2:30:28
